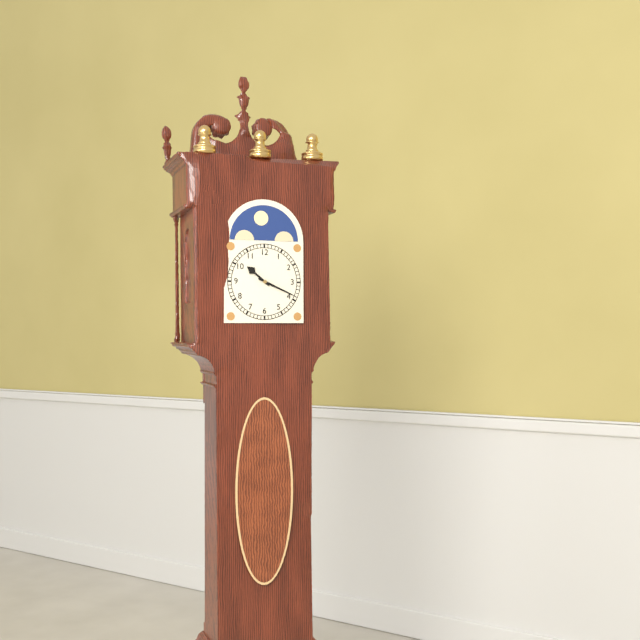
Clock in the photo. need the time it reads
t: 10:19
